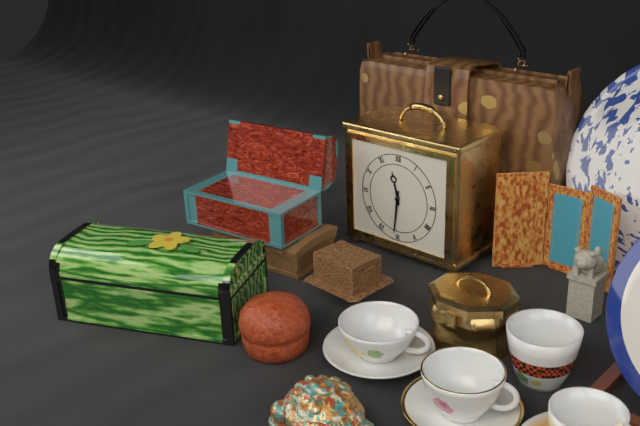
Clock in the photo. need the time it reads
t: 11:31
